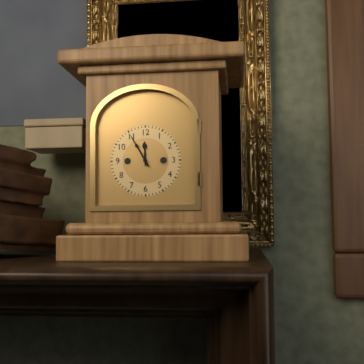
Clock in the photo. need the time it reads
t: 11:55
